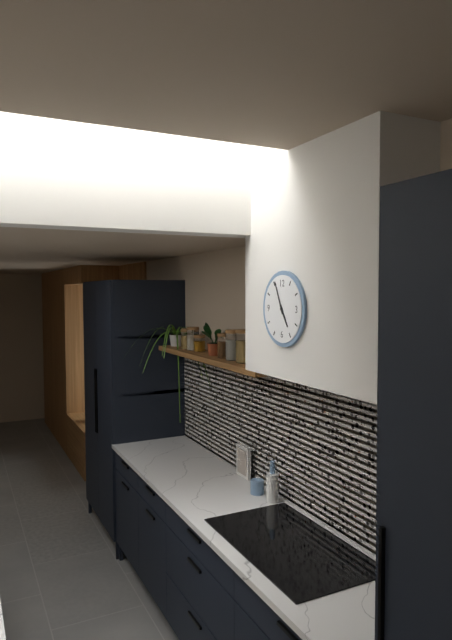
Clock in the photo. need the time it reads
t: 4:56
